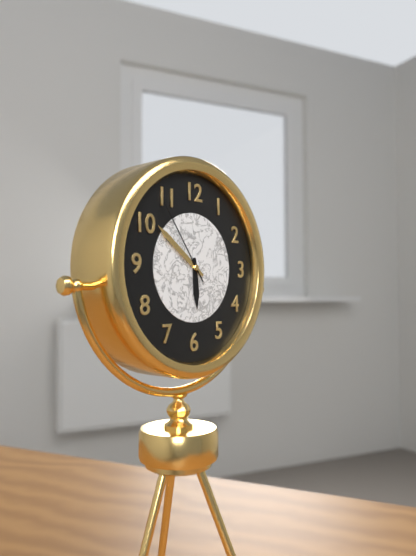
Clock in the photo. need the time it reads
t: 5:51:54
